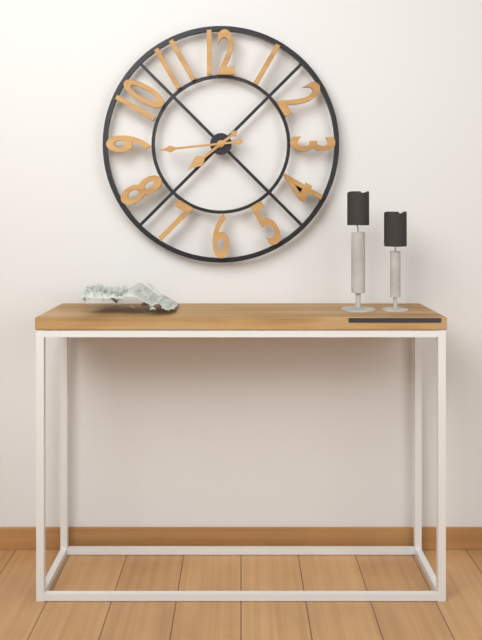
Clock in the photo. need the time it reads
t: 7:44
